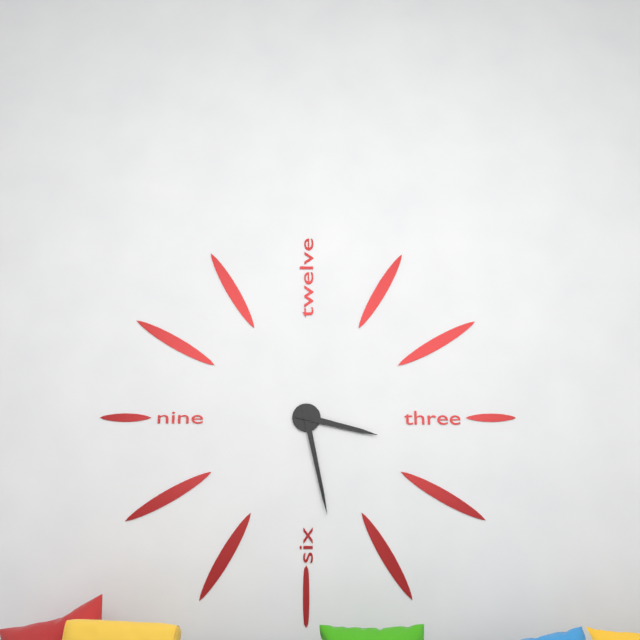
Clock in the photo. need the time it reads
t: 3:28
